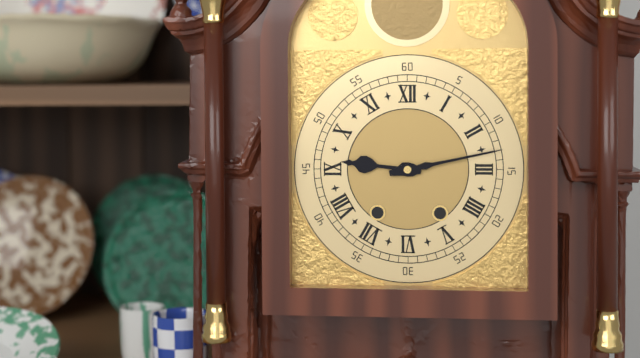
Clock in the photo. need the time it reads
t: 9:13
